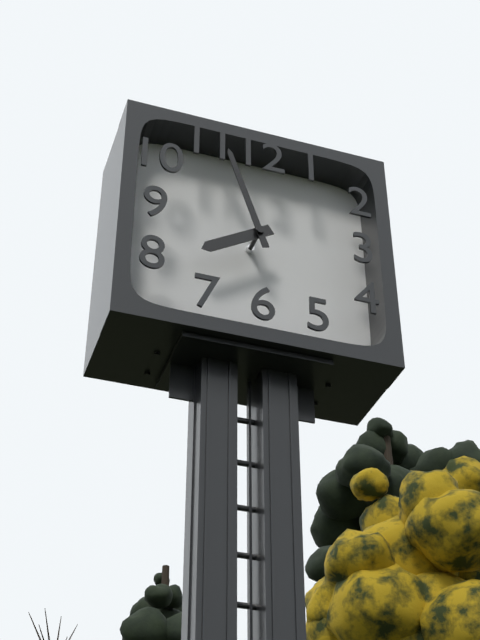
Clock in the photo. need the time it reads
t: 7:57
